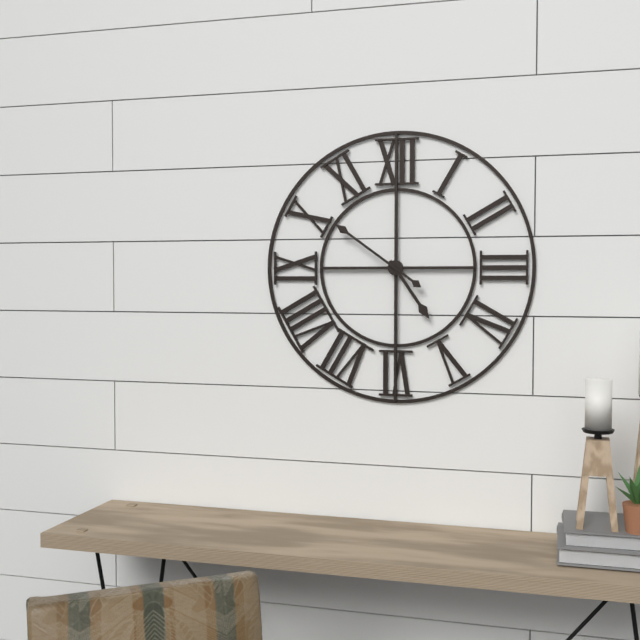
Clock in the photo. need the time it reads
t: 4:51
